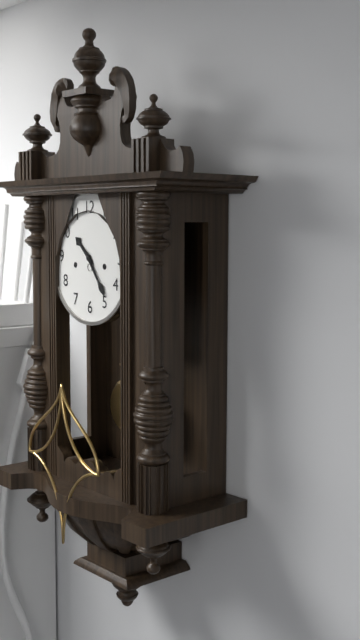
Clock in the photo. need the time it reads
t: 10:24
